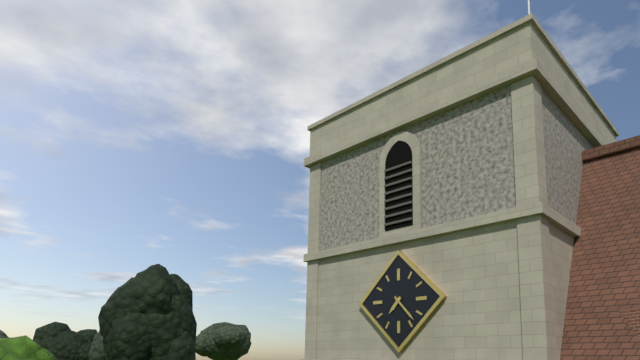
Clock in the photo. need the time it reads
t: 7:23
